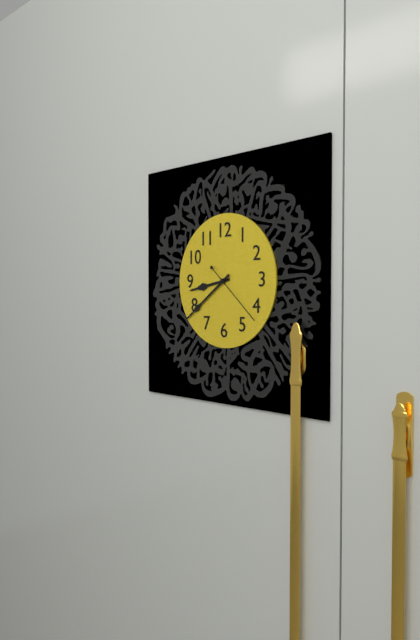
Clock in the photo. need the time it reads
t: 8:39:22
